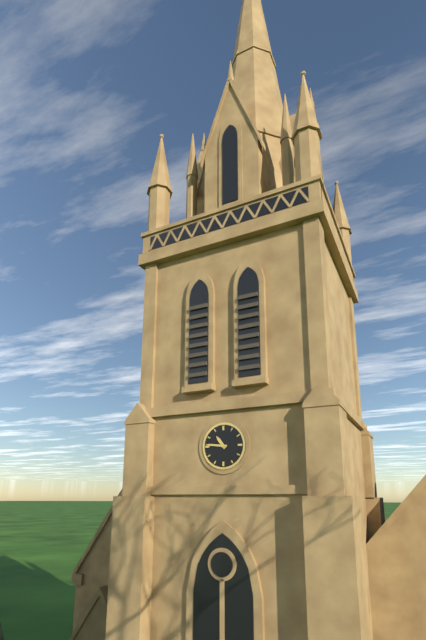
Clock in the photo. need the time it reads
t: 10:46
